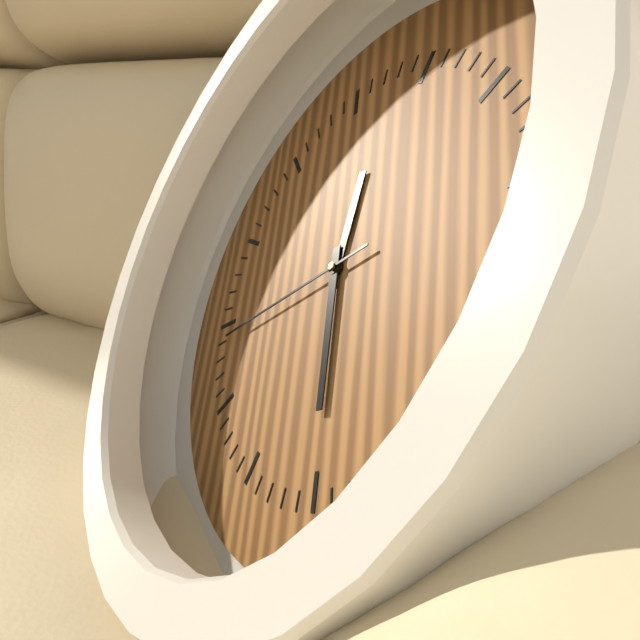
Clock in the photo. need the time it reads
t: 12:30:44
